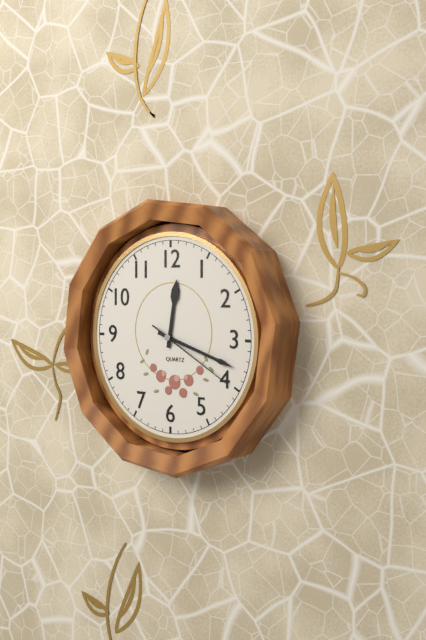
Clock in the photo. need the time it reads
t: 12:18:20
